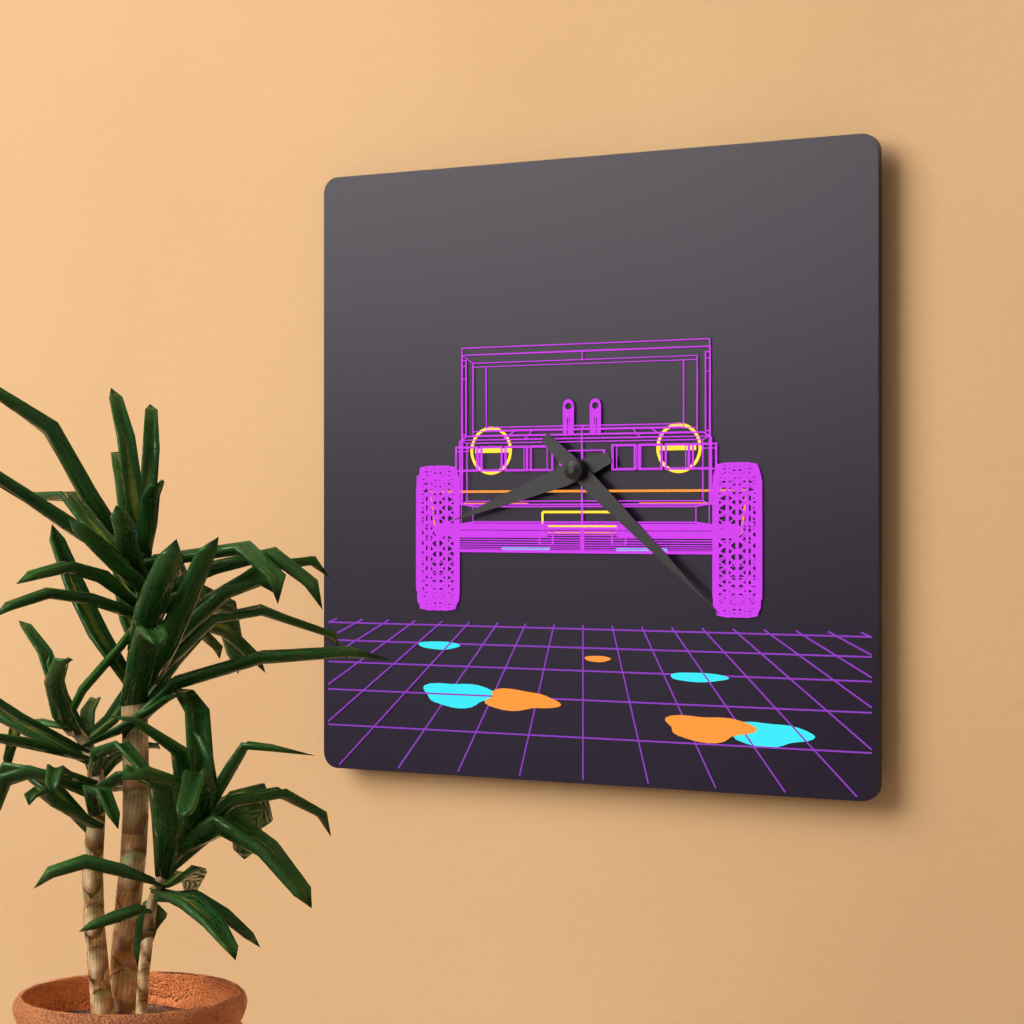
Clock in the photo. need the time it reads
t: 8:22
